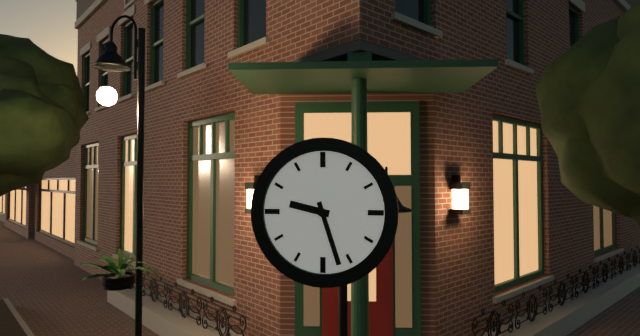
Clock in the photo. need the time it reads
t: 9:27
